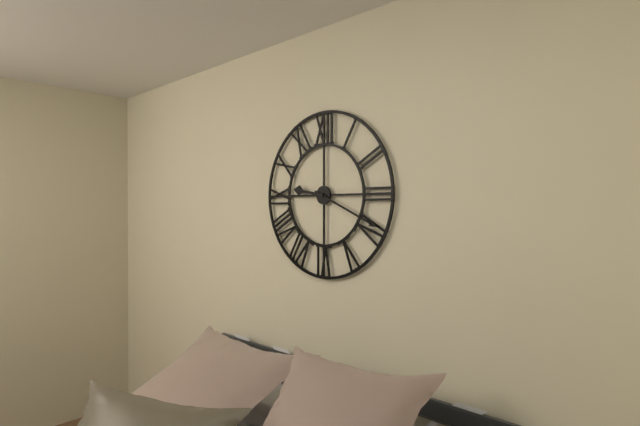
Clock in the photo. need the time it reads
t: 9:19
